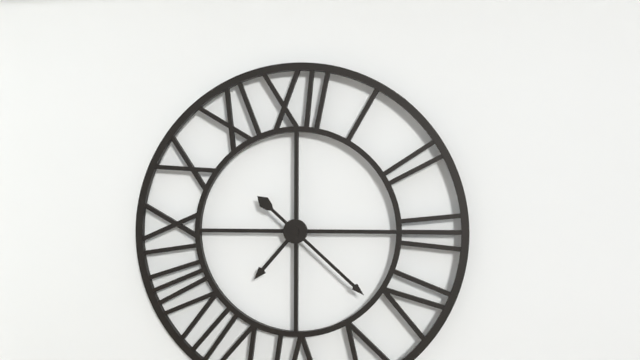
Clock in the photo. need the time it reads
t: 7:22
